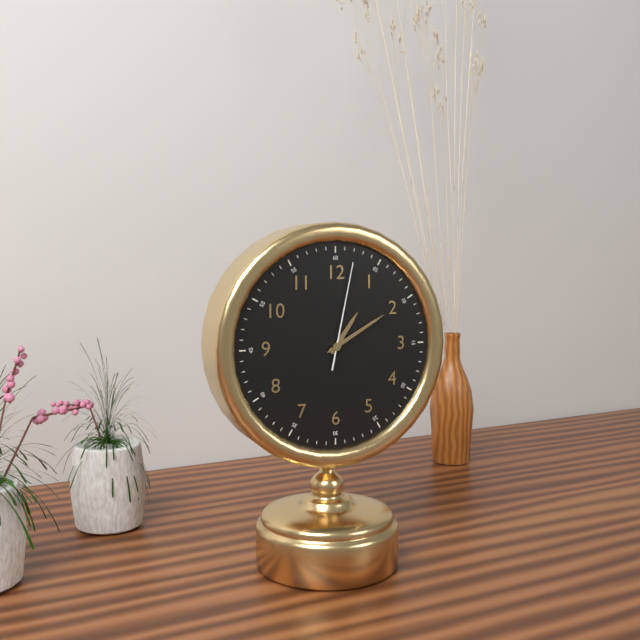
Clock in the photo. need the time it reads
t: 1:10:02
